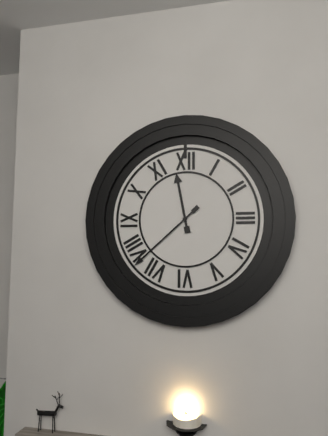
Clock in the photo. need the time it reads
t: 11:38
